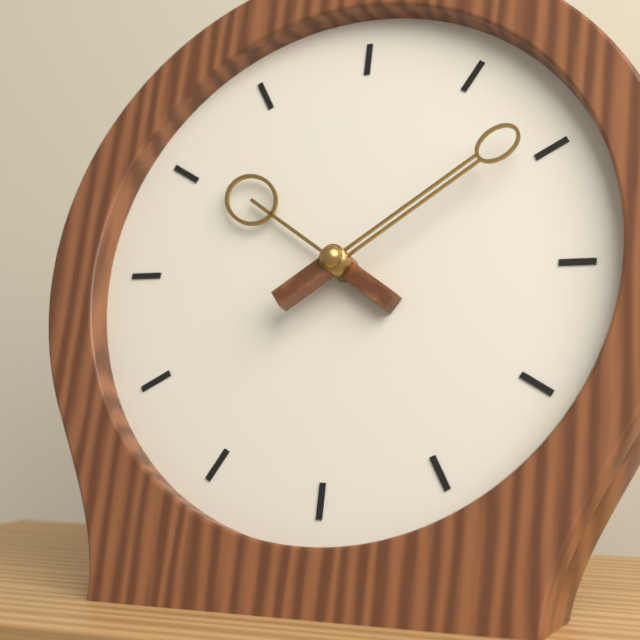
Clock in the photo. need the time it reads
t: 10:09
